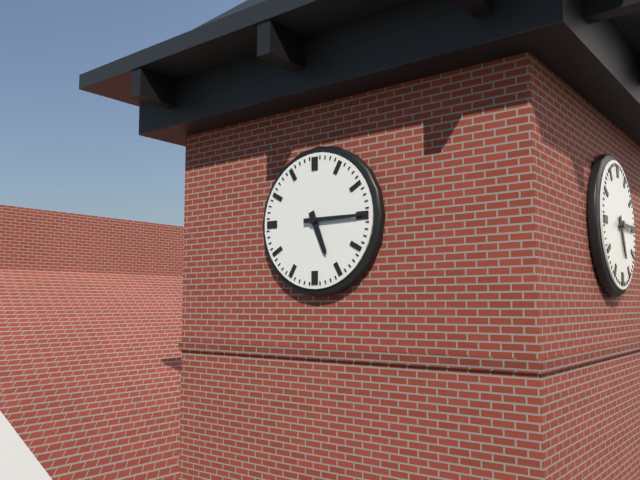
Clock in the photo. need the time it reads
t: 5:15
